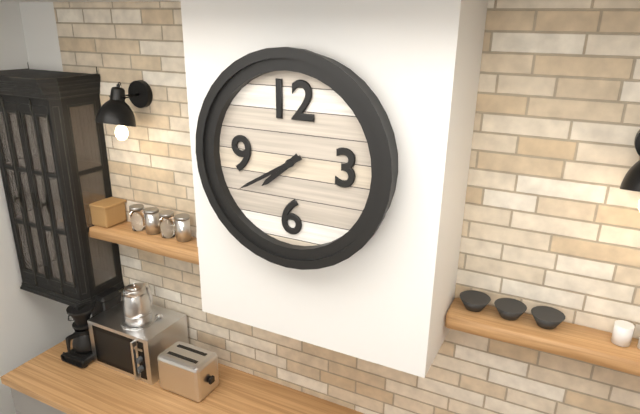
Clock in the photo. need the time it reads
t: 7:40
